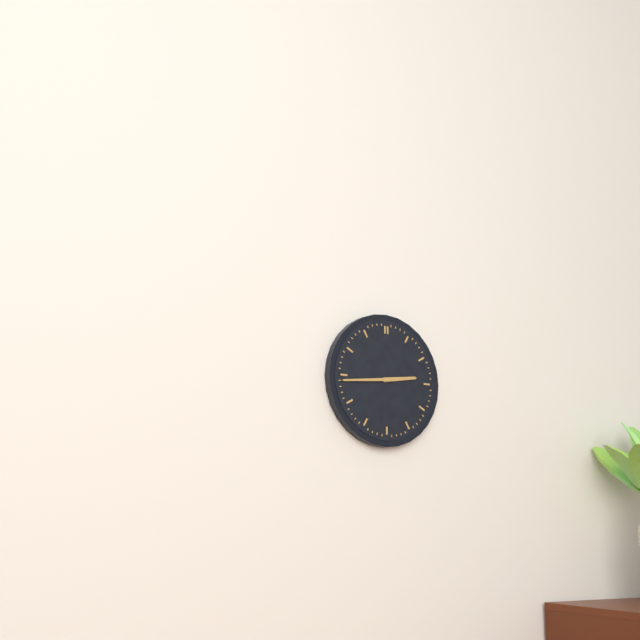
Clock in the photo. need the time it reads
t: 2:44
